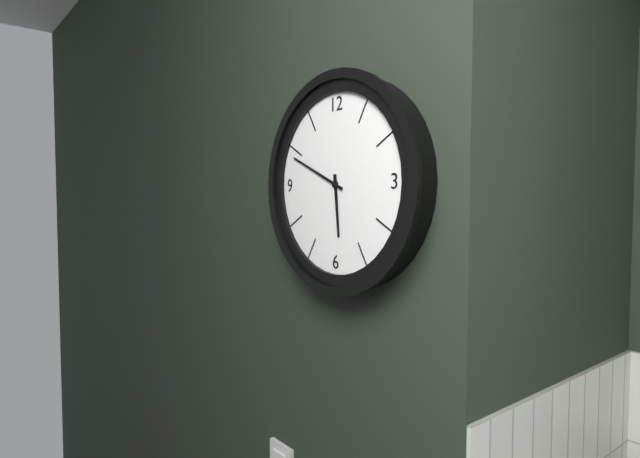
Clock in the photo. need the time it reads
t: 5:49
